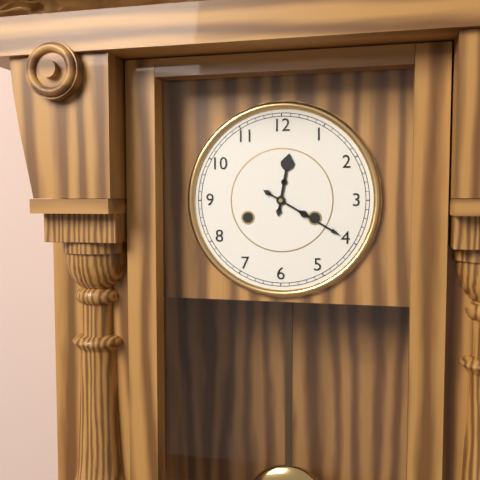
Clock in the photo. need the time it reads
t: 12:20
